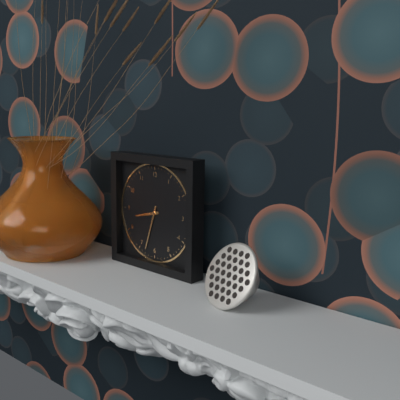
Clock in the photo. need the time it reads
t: 8:33
